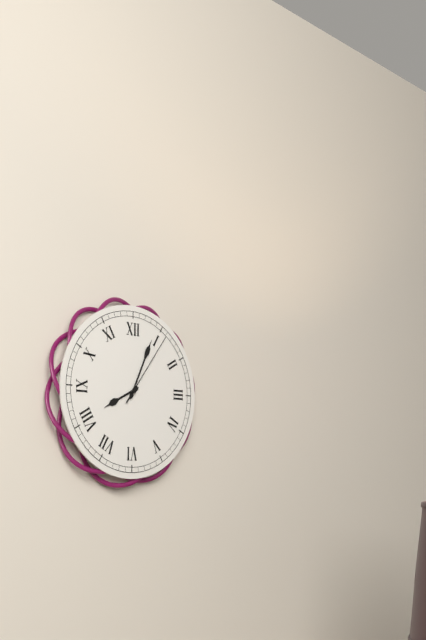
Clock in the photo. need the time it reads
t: 8:04:06
